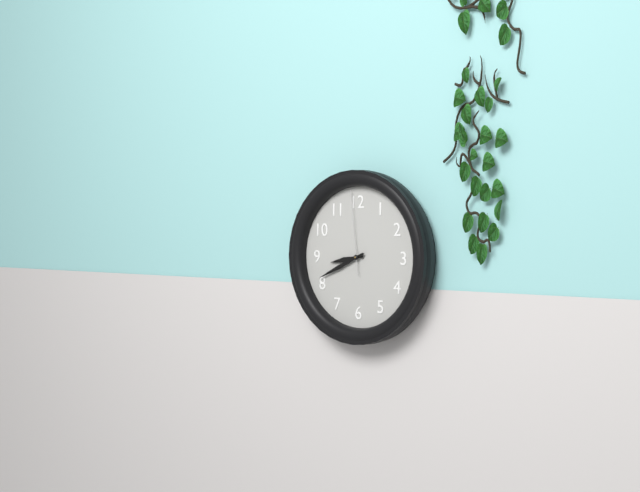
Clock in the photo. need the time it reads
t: 8:41:59
